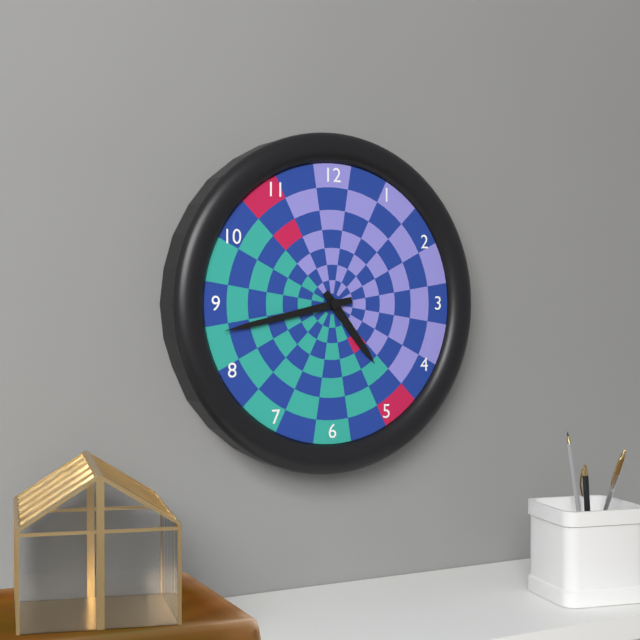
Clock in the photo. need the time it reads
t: 4:43
